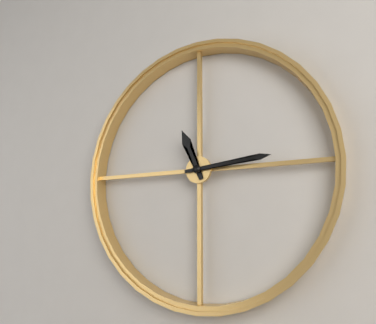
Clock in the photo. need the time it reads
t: 11:14
